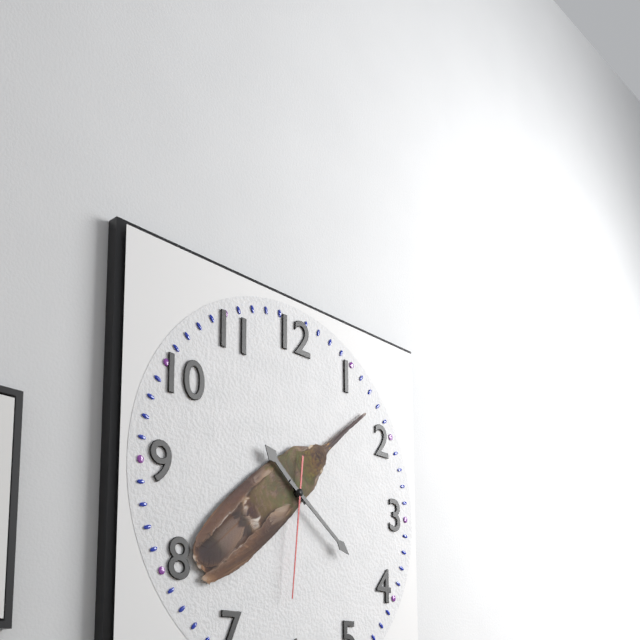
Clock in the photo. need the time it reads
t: 10:21:31
